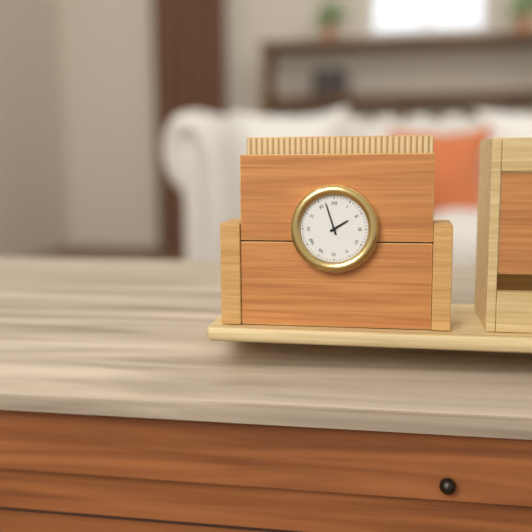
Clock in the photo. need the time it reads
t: 1:57
